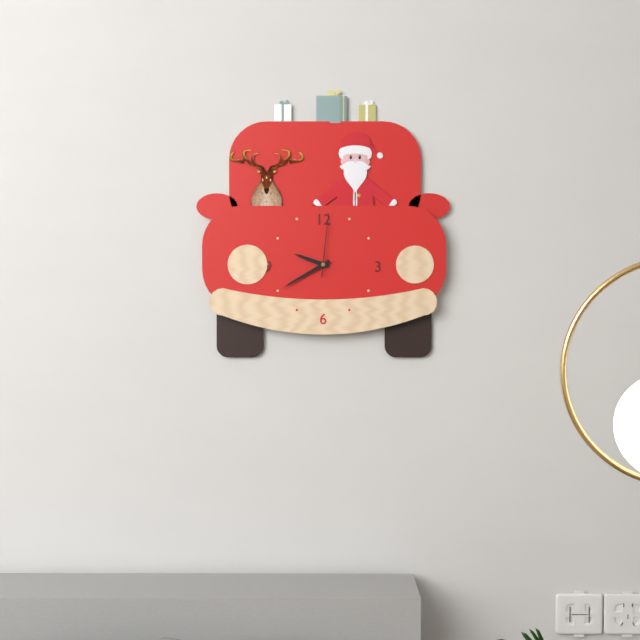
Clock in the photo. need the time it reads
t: 9:40:01
